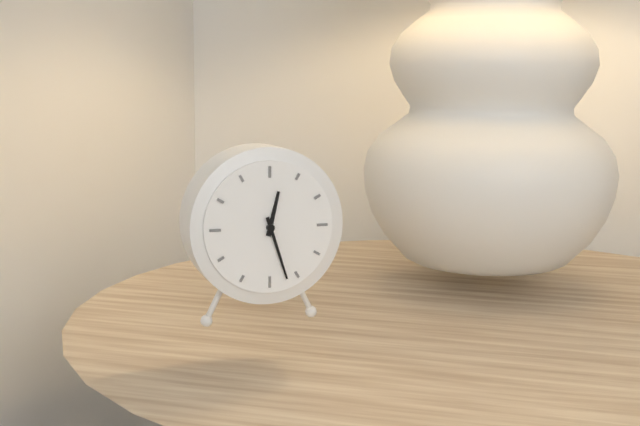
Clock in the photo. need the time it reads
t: 12:27
